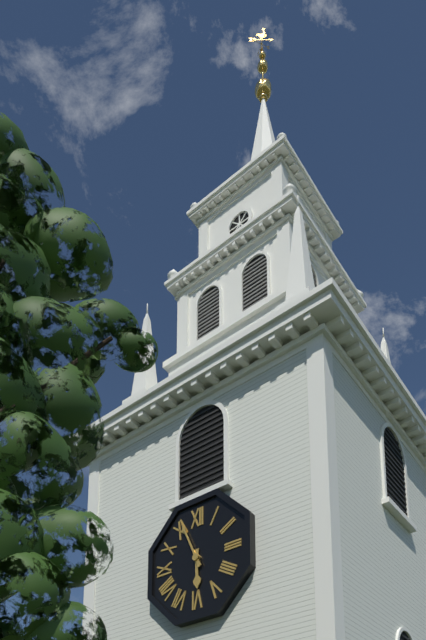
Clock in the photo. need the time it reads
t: 5:56
